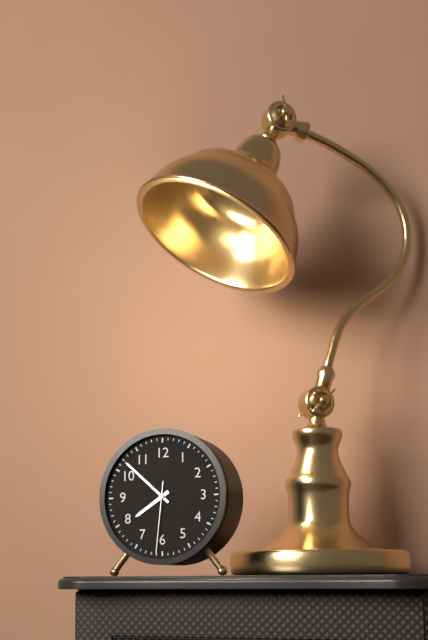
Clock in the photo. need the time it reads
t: 7:52:31
